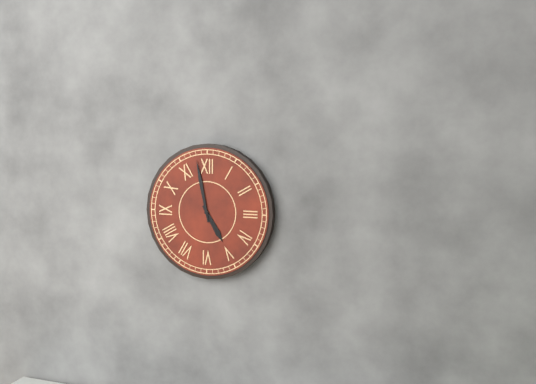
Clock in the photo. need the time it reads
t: 4:58
